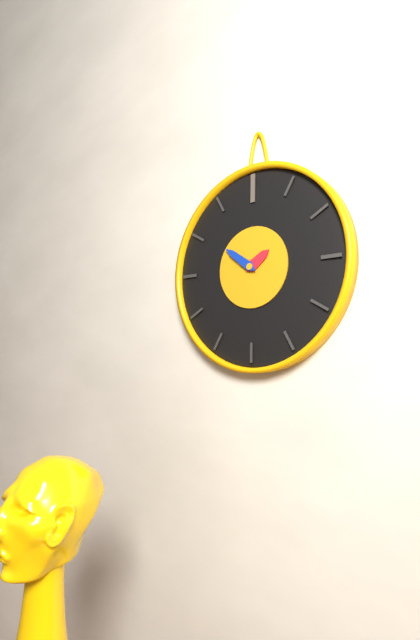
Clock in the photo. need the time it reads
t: 1:51
